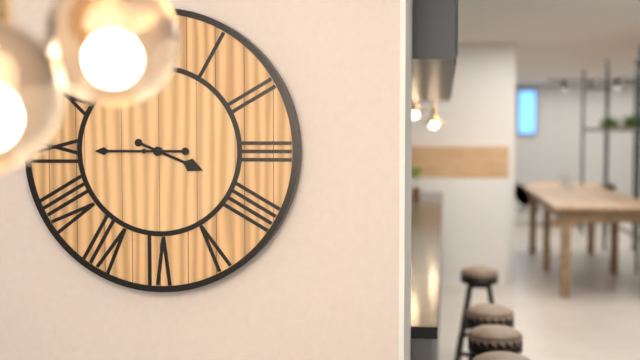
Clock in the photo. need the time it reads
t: 3:45
